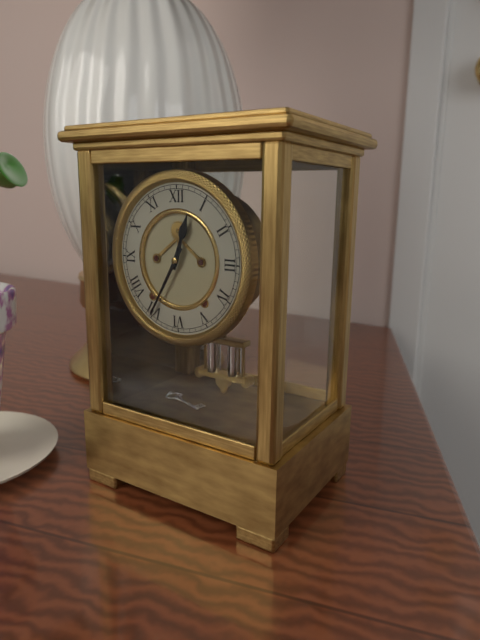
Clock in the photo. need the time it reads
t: 12:35
